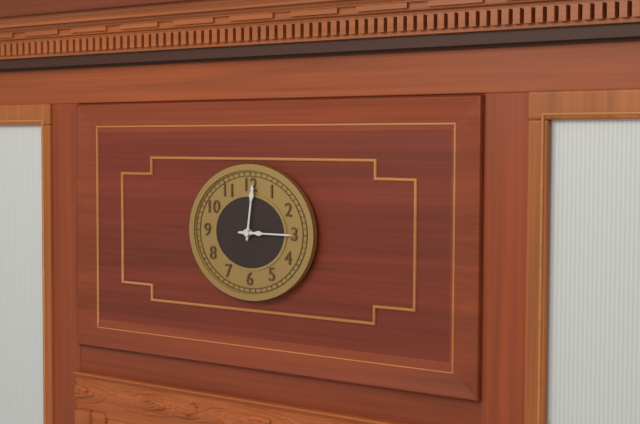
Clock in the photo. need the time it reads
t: 12:15
